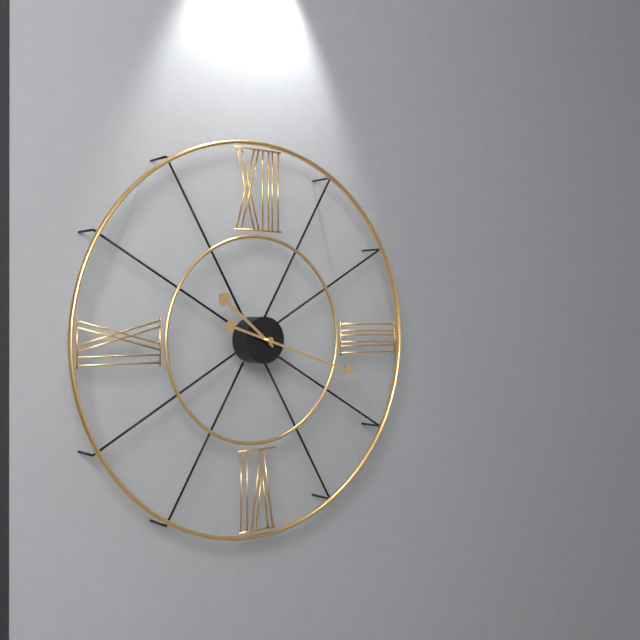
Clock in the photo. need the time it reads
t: 10:18
